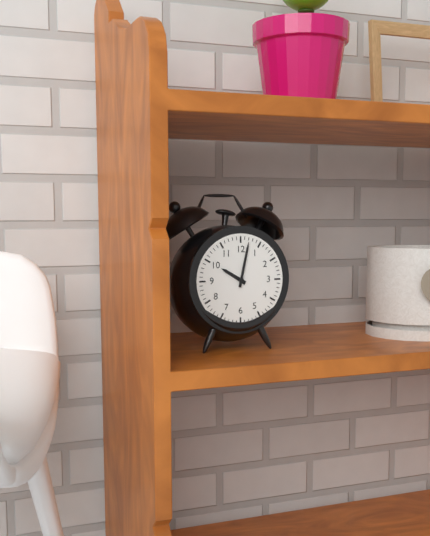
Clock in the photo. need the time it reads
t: 10:02
